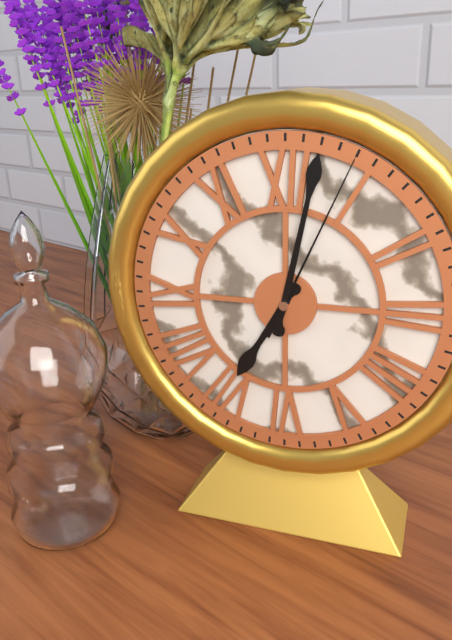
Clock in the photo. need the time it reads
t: 7:02:04
